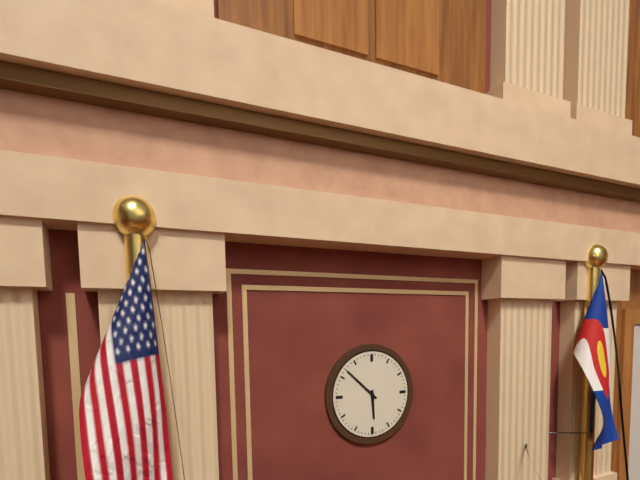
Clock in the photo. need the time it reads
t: 5:52
